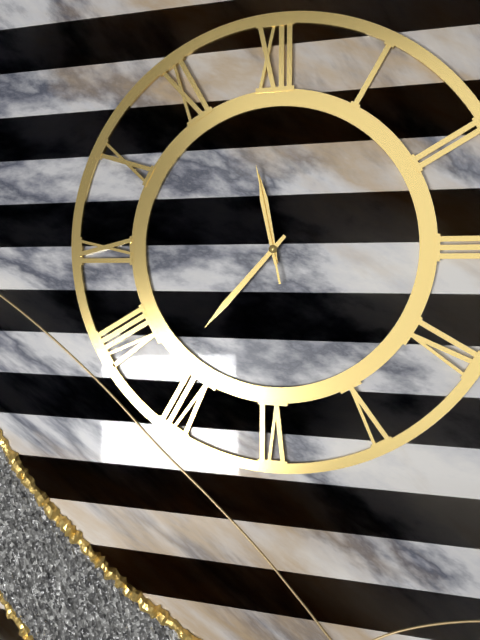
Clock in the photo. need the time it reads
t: 11:37:58
